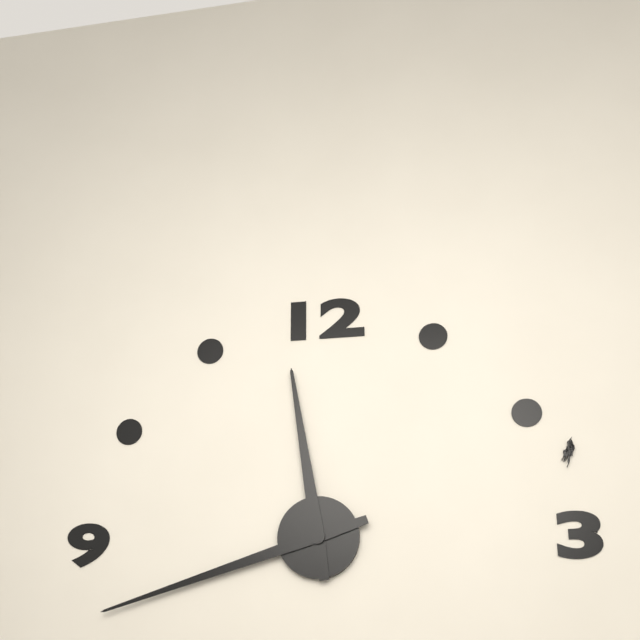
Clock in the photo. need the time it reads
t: 11:42
